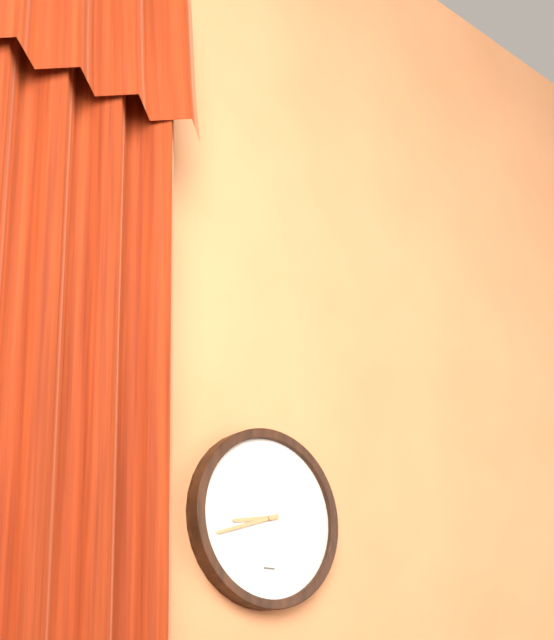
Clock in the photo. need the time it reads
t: 8:42
